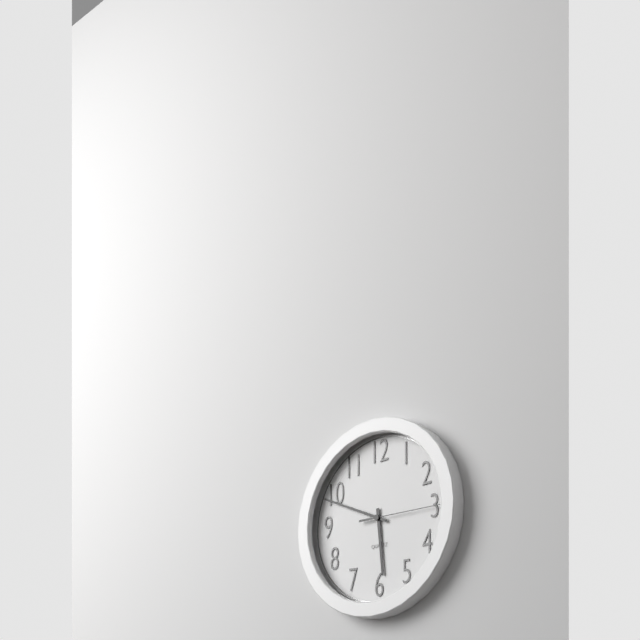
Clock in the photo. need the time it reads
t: 5:49:15
